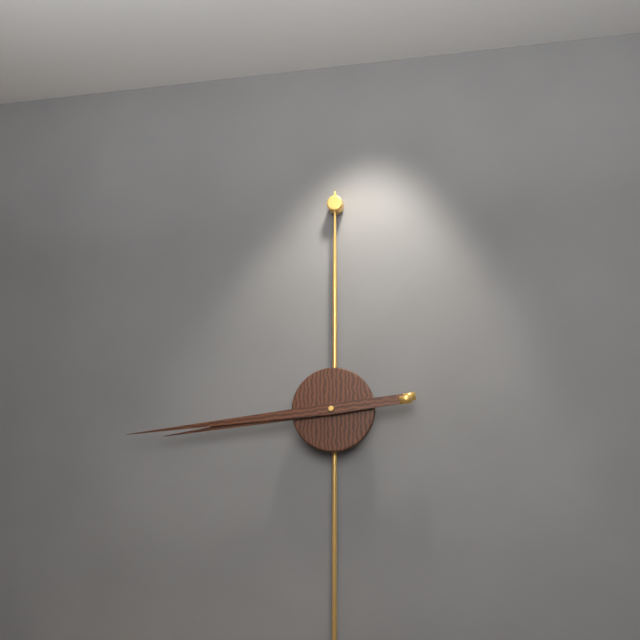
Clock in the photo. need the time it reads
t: 8:44
